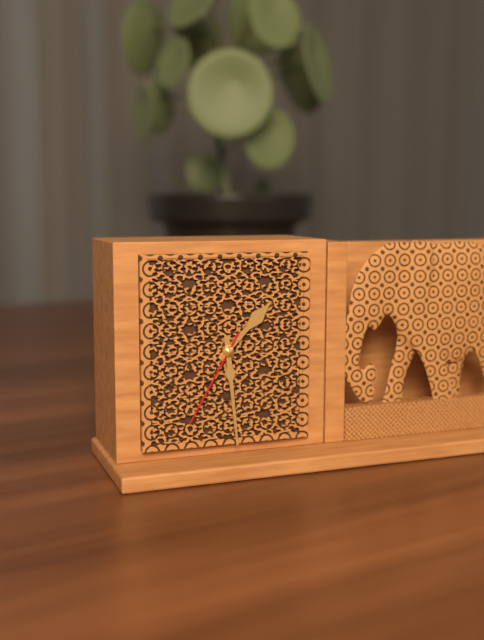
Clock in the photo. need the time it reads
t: 1:29:35
